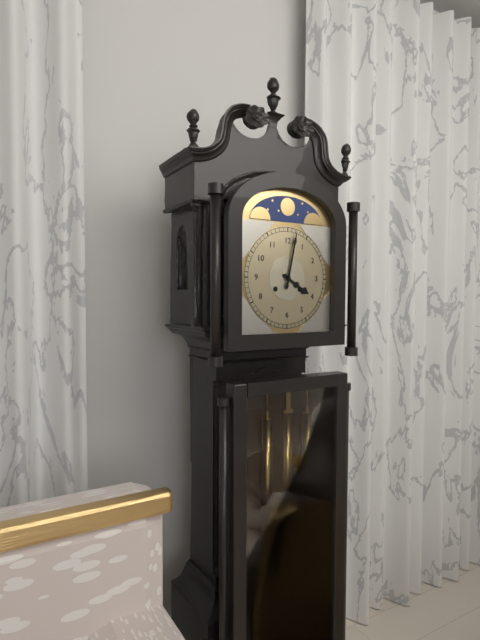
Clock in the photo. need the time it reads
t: 4:02
